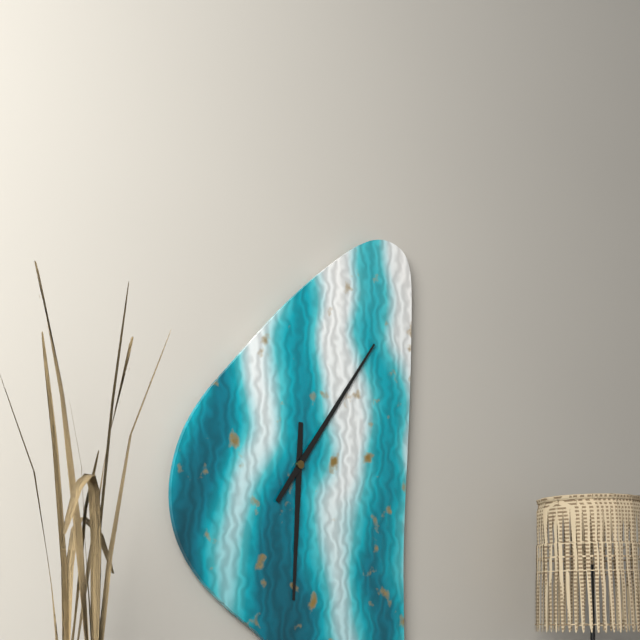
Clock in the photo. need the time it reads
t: 6:06
